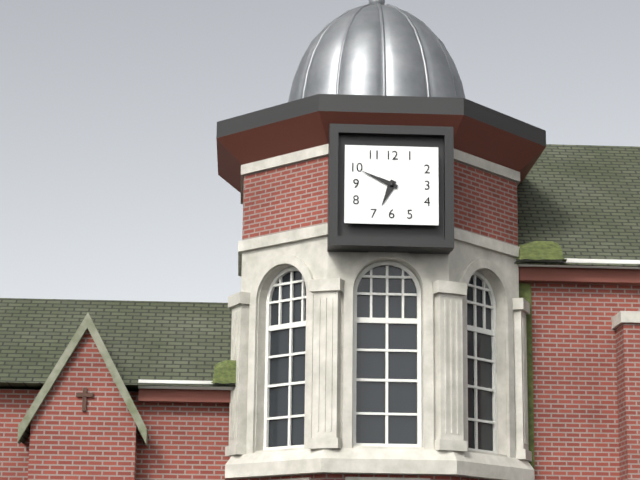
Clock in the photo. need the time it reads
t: 6:49
